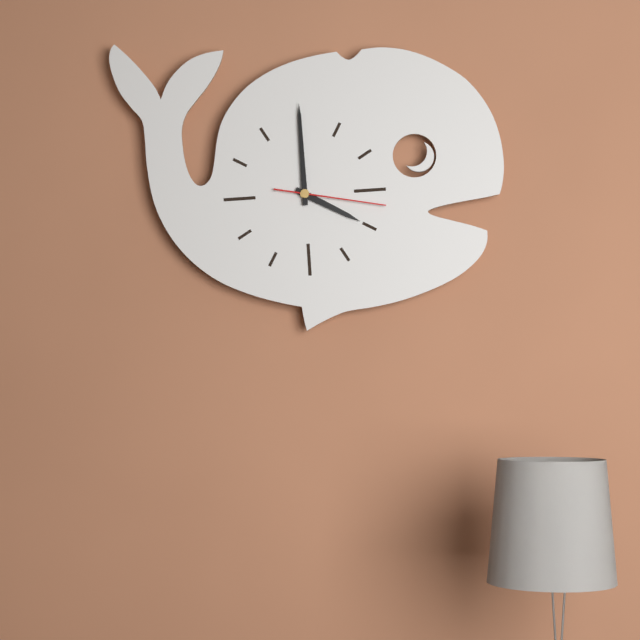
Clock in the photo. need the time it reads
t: 4:00:17
